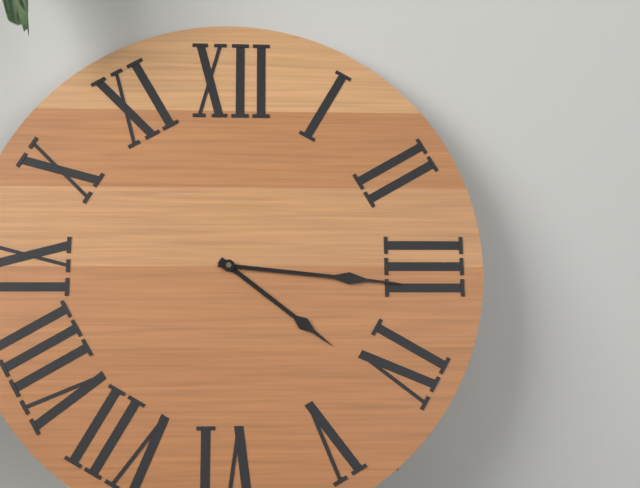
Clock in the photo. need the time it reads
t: 4:16
